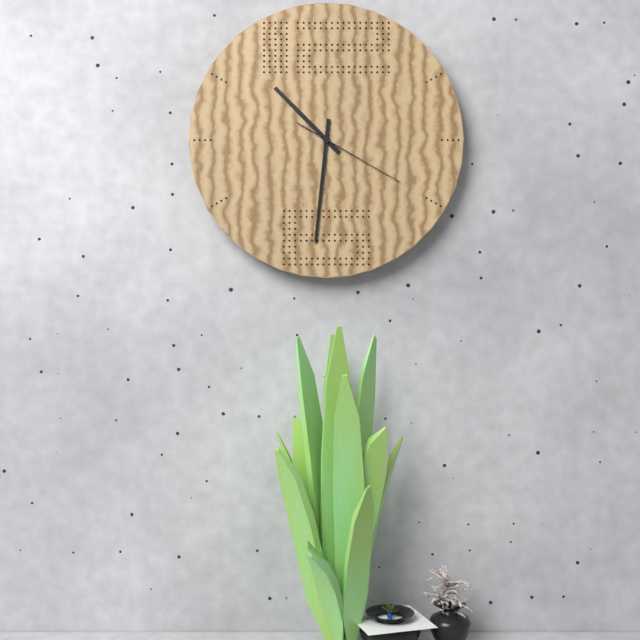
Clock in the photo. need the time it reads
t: 10:31:20
